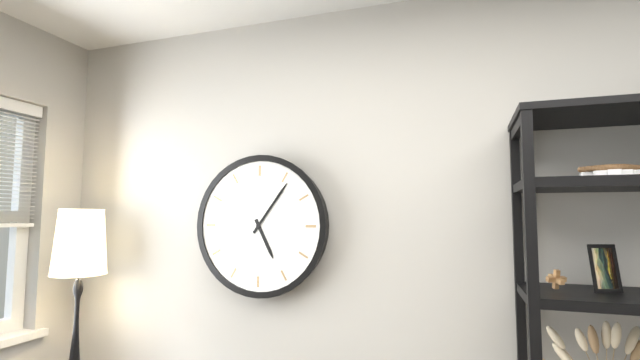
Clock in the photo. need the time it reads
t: 5:06
